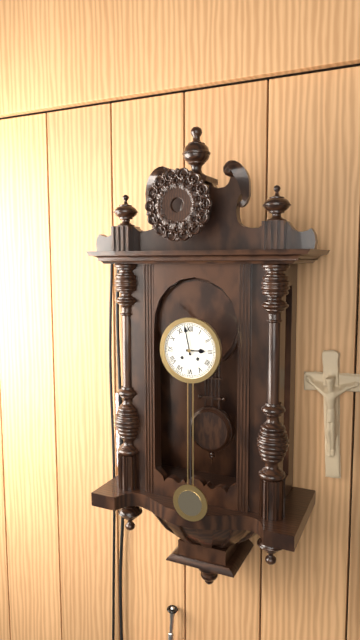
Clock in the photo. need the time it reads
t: 2:58
